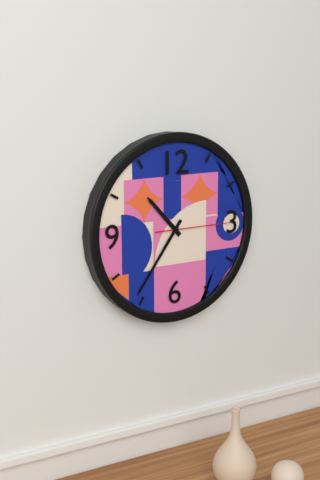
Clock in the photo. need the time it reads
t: 10:36:15
